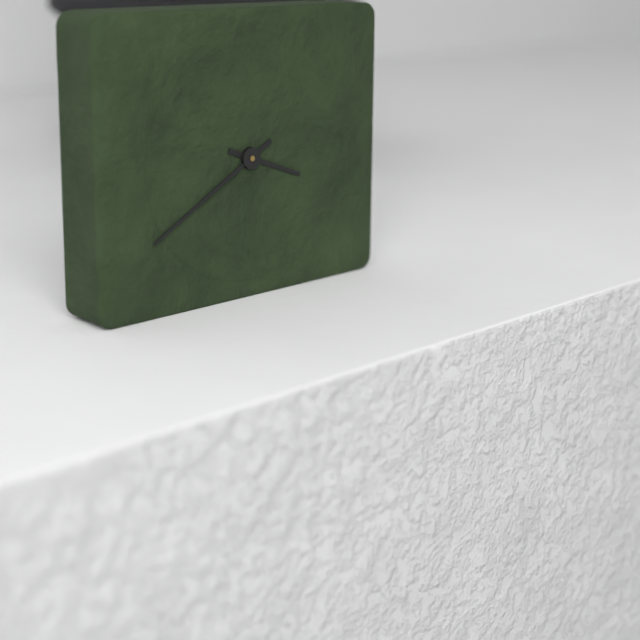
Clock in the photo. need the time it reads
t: 3:40
